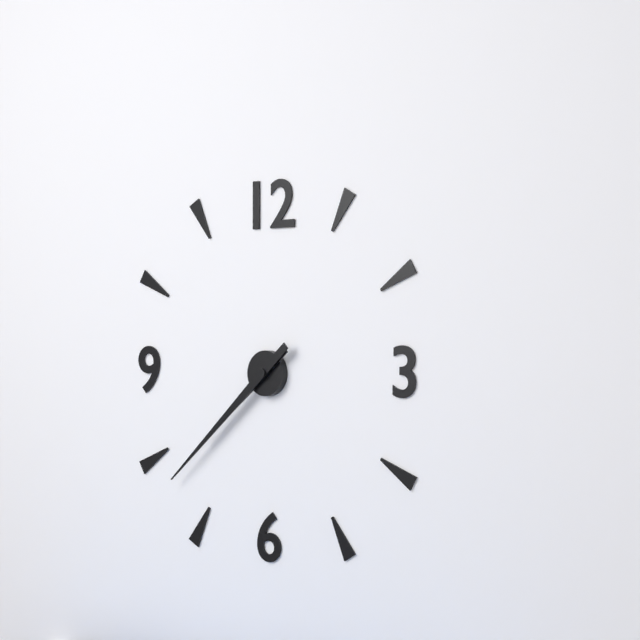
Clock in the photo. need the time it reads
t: 7:38
